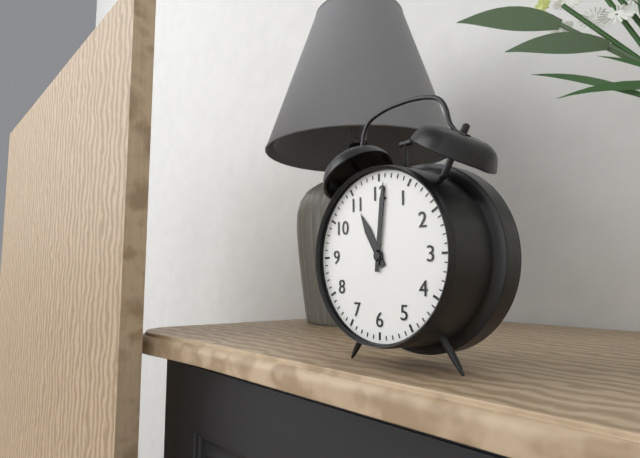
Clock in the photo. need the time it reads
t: 11:01
